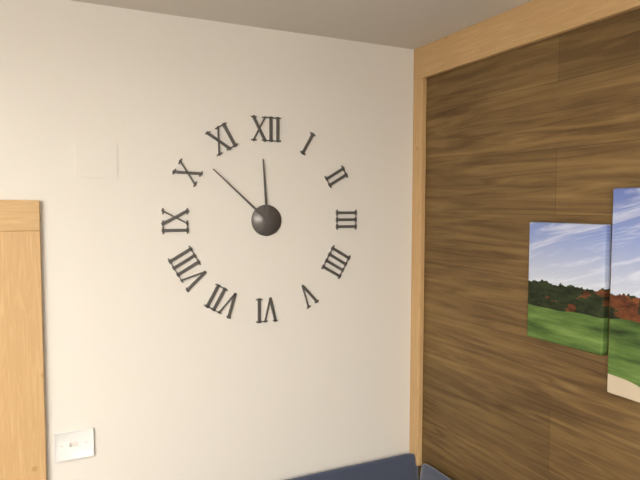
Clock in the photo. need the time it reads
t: 11:52
